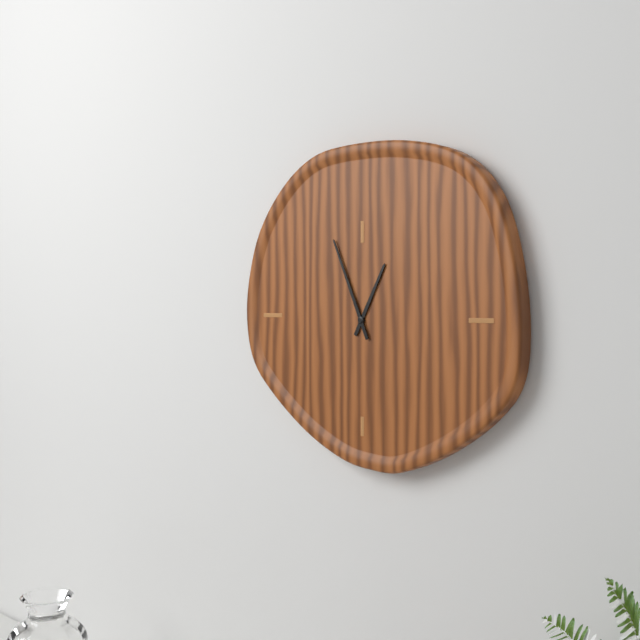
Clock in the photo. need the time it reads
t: 12:56
